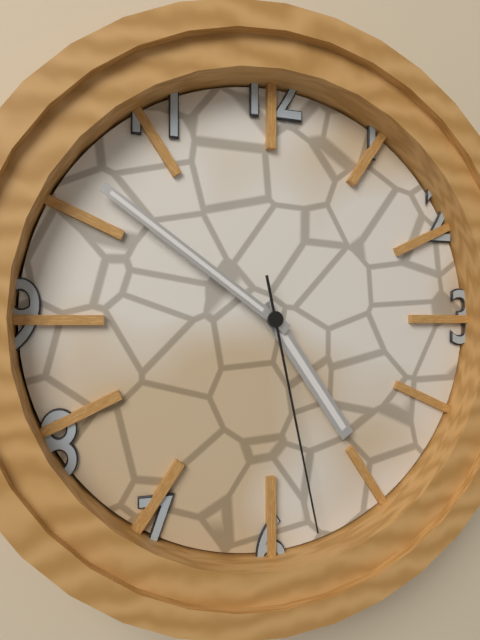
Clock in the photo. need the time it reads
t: 4:51:28
